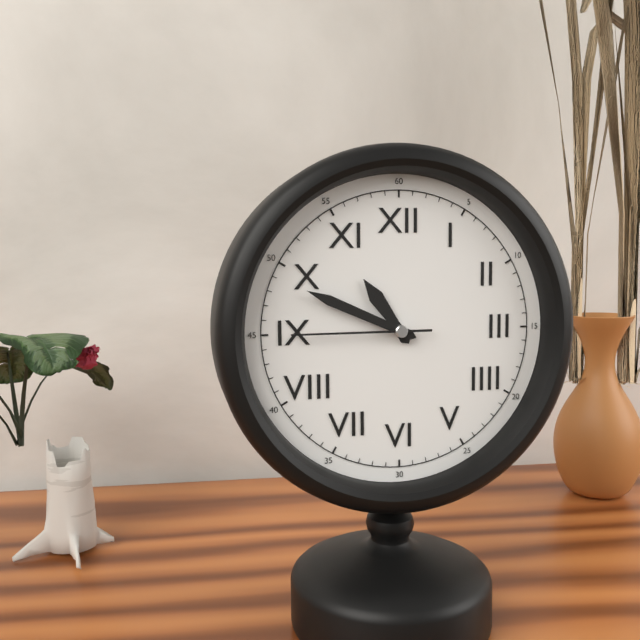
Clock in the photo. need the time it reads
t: 10:49:45
